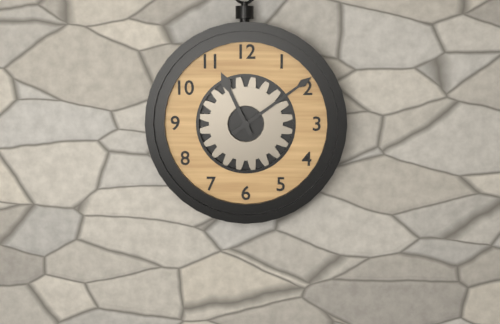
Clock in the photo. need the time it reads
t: 11:09
